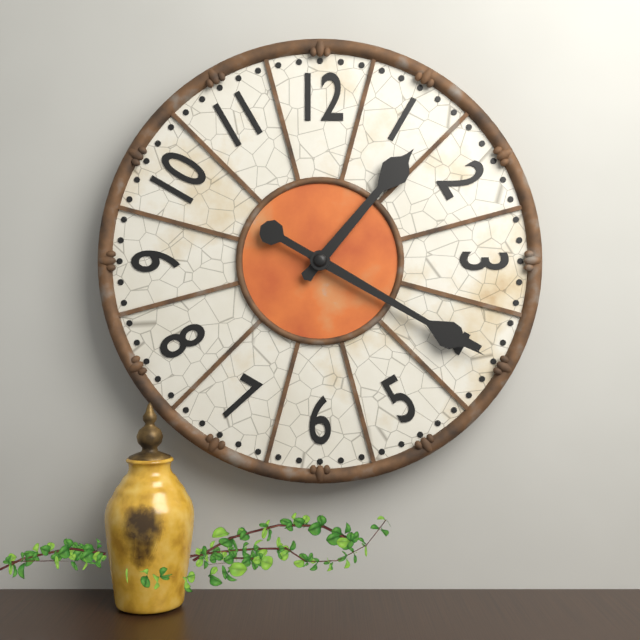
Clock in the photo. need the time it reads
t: 1:20
